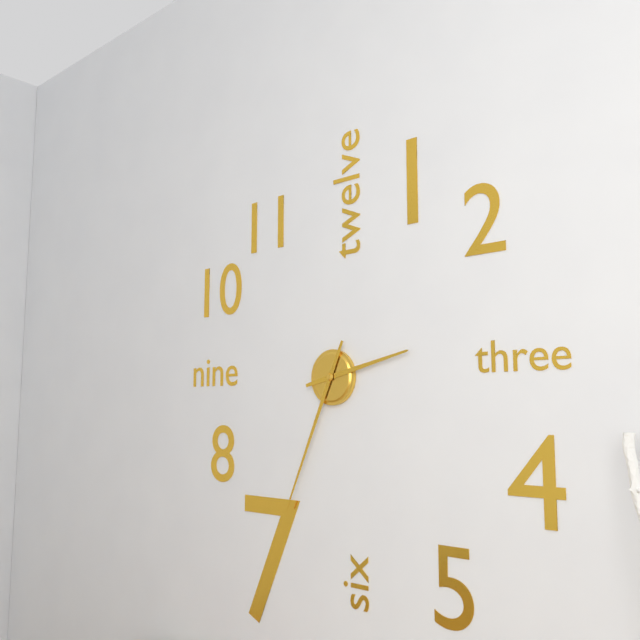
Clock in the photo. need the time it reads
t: 2:34
